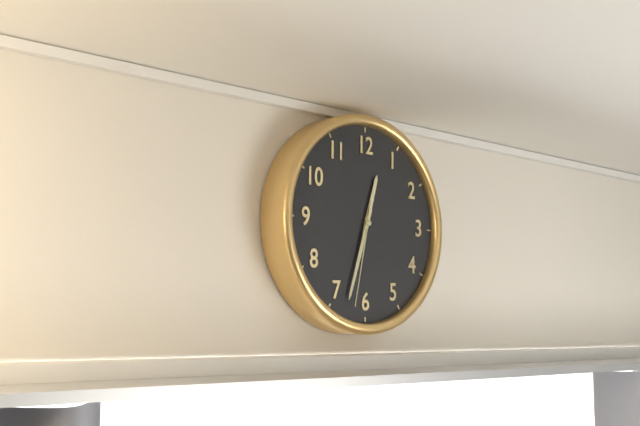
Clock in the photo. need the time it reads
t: 12:33:32
